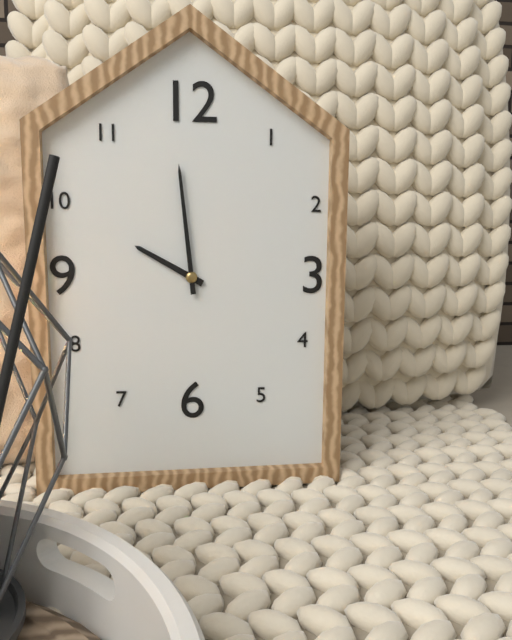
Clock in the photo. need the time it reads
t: 9:59
